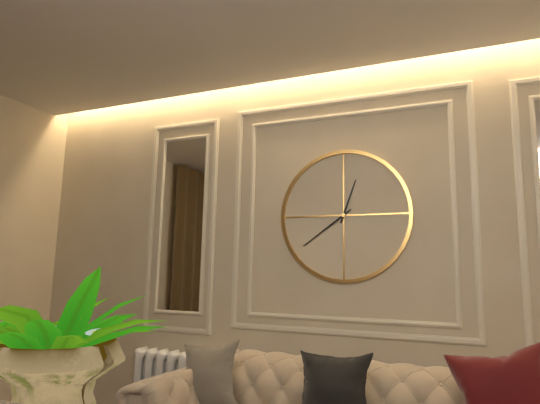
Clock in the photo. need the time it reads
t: 12:39
